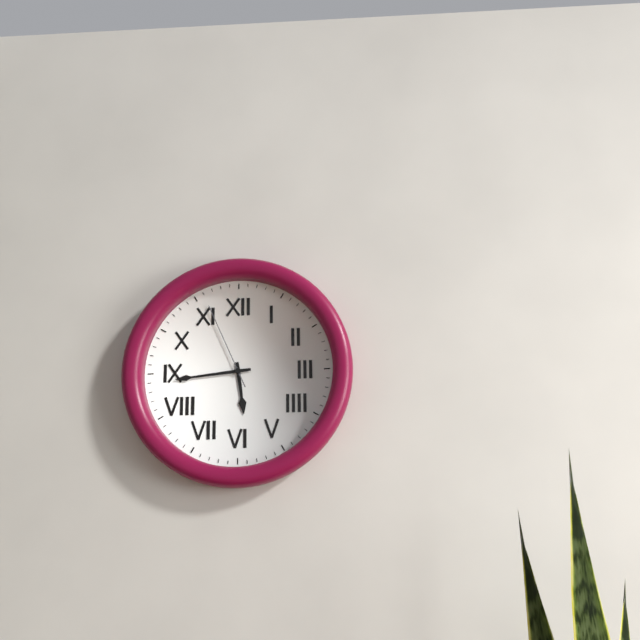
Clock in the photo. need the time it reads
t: 5:44:56
